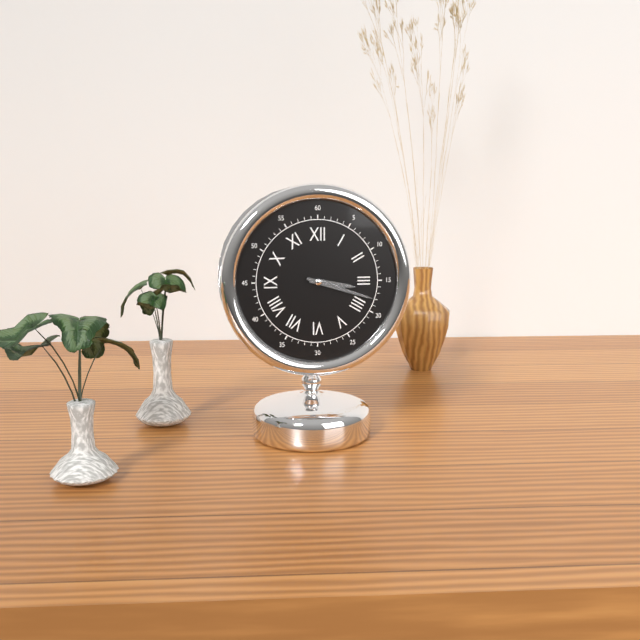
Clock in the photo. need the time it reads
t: 3:18
